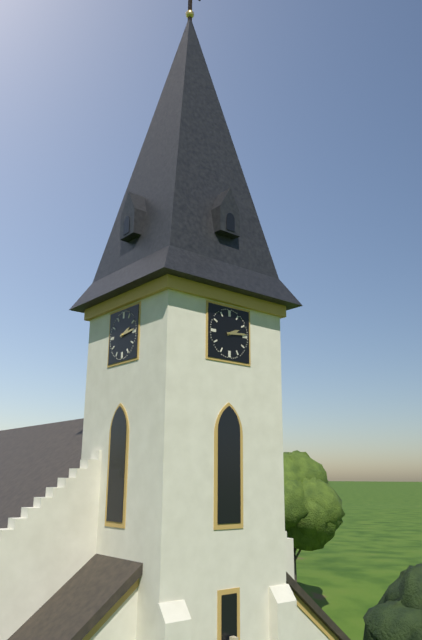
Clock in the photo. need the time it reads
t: 2:14
